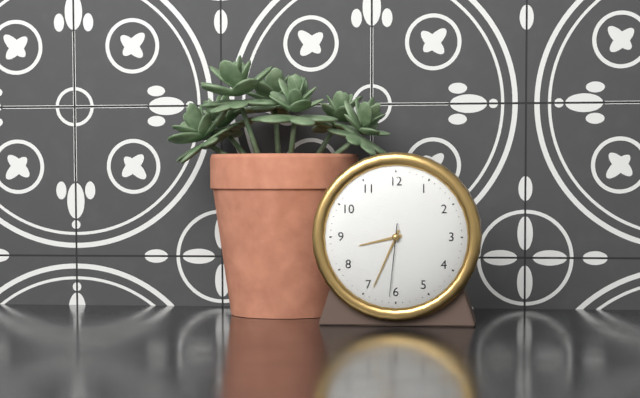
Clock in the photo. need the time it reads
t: 8:34:31
